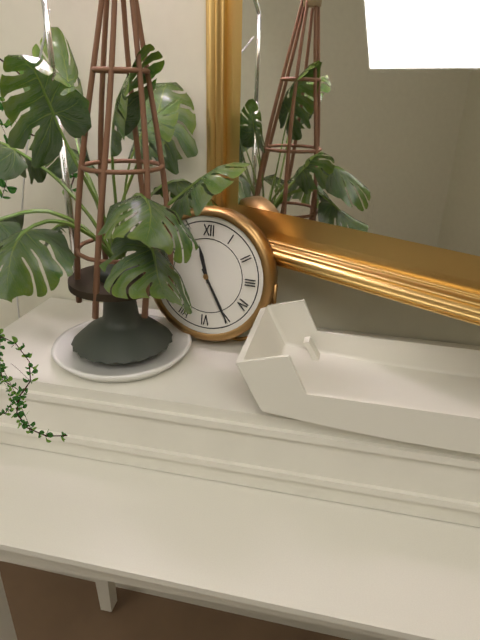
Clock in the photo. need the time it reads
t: 11:25
